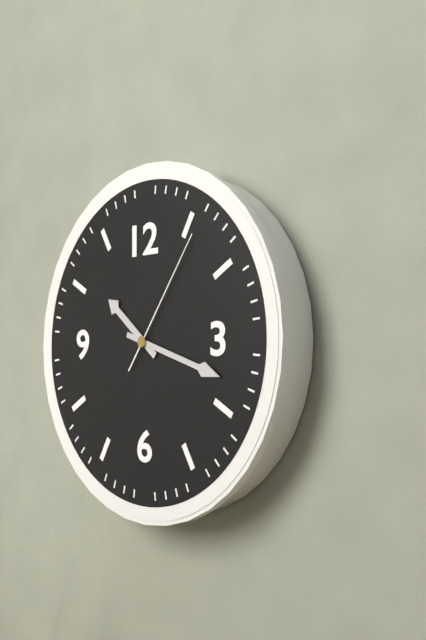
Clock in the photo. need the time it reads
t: 10:18:06
